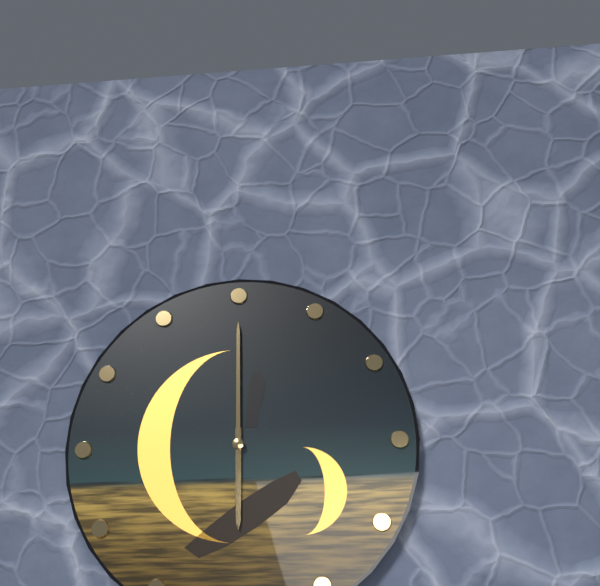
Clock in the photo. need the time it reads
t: 6:00
